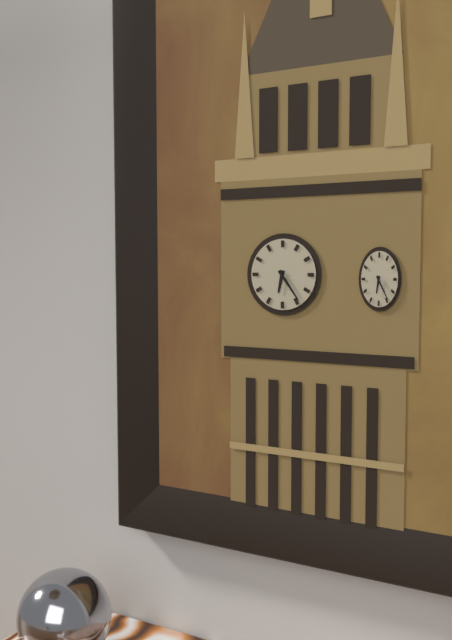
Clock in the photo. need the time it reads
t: 6:24
